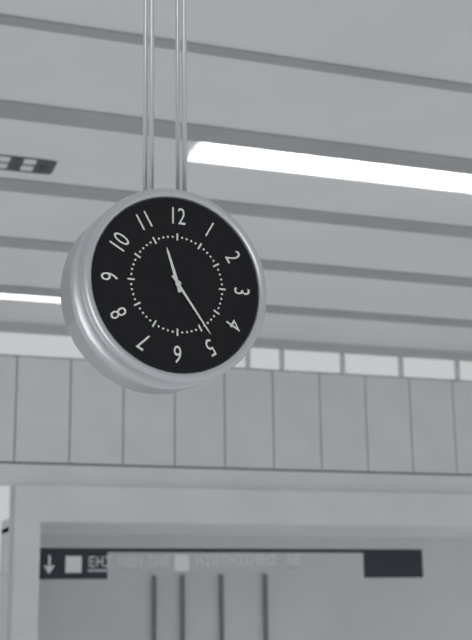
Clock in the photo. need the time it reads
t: 11:24
